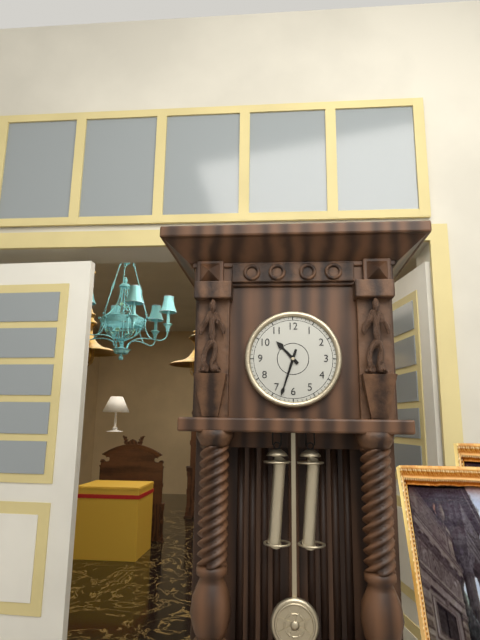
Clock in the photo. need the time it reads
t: 10:33
